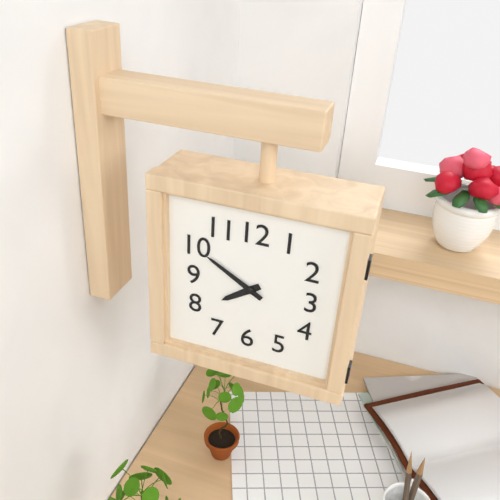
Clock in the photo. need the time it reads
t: 7:50
